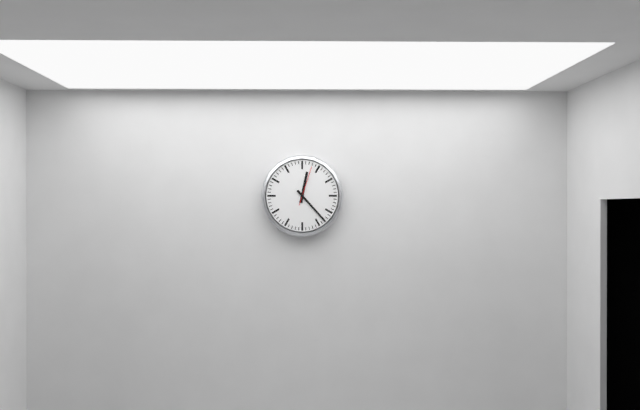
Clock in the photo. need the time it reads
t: 12:23
